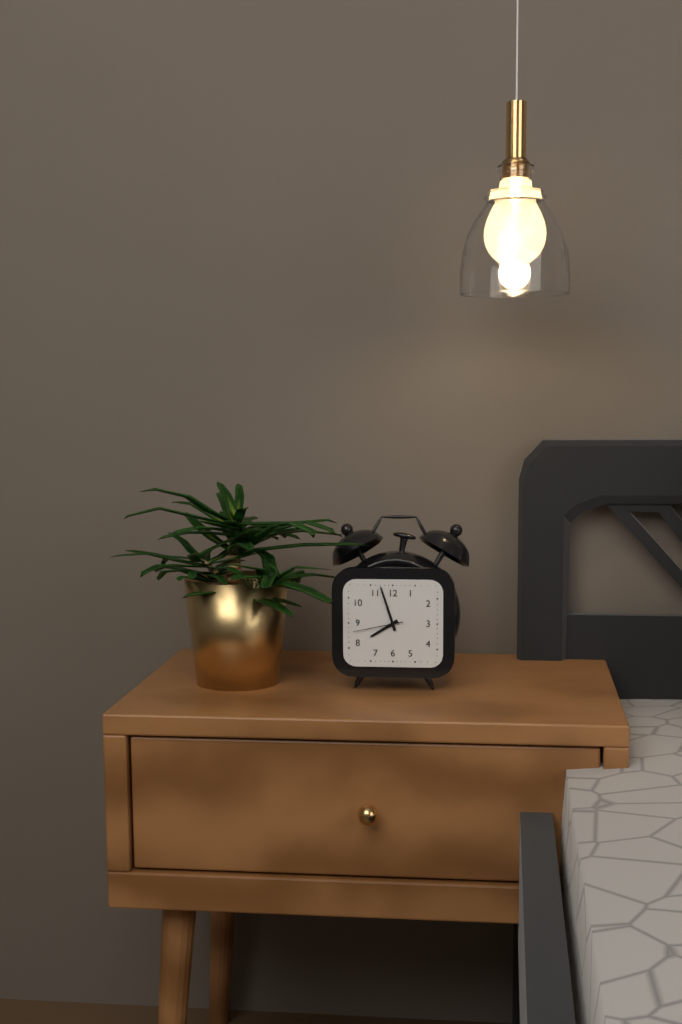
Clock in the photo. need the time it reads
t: 7:57:43
